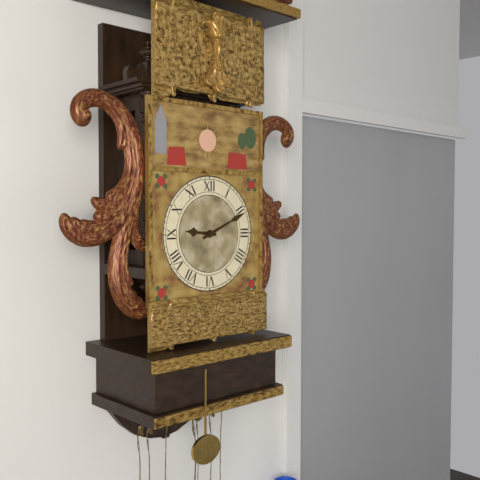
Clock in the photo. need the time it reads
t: 9:11
